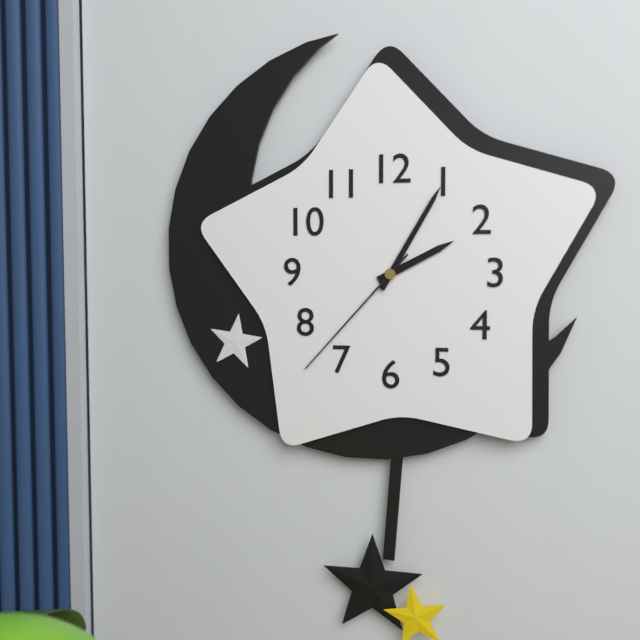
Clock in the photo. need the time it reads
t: 2:05:37
